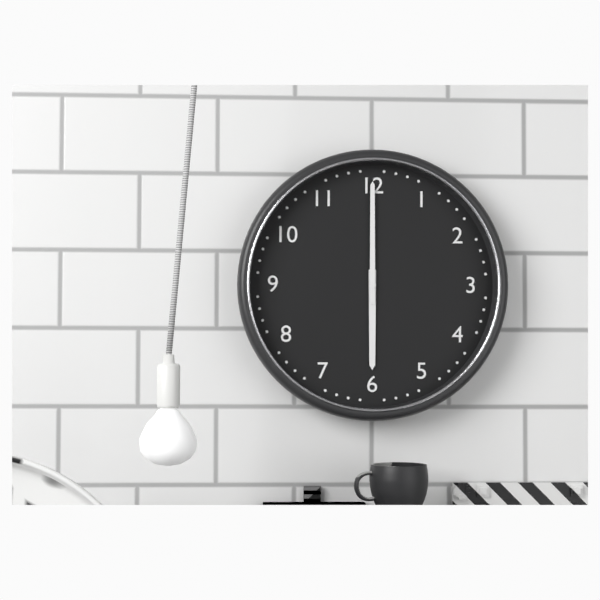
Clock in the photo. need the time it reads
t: 6:00
